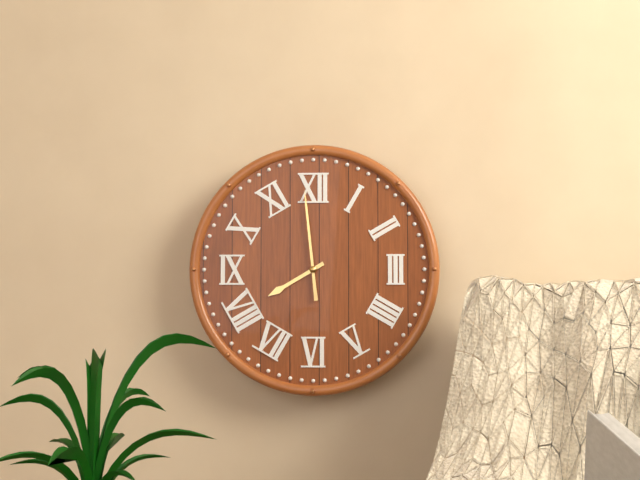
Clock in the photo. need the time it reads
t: 7:59
